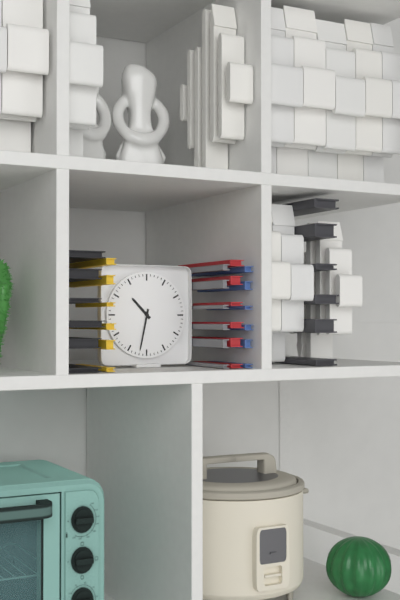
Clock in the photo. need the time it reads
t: 10:32
